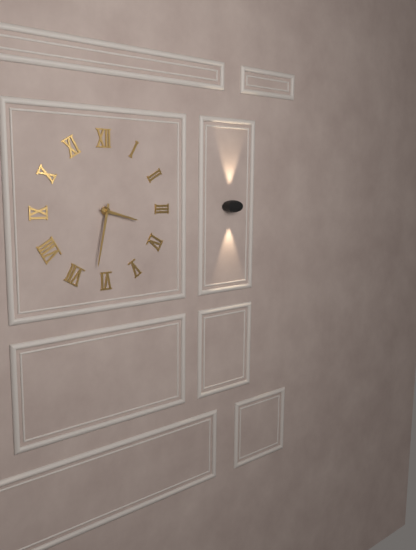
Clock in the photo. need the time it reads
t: 3:32
